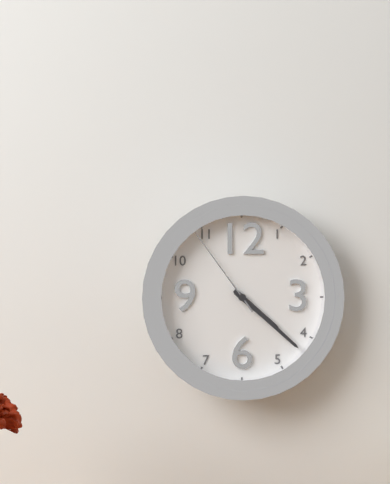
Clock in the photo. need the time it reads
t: 4:22:54
